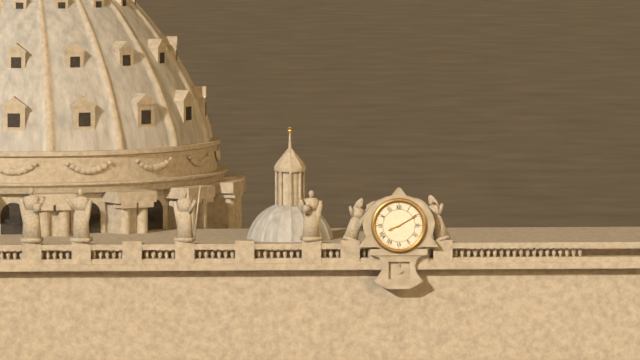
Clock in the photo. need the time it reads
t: 8:10
